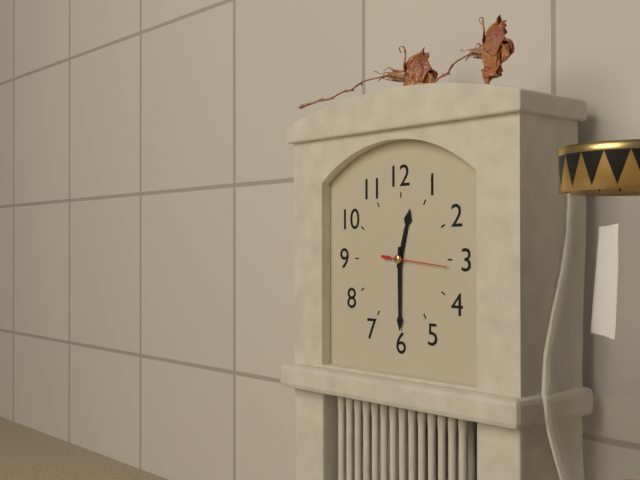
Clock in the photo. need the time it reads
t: 12:30:16
